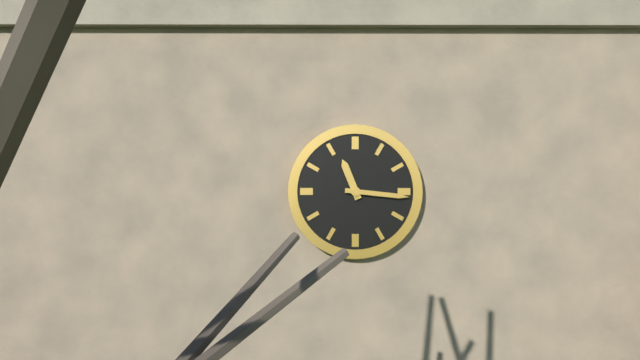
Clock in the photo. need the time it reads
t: 11:16
